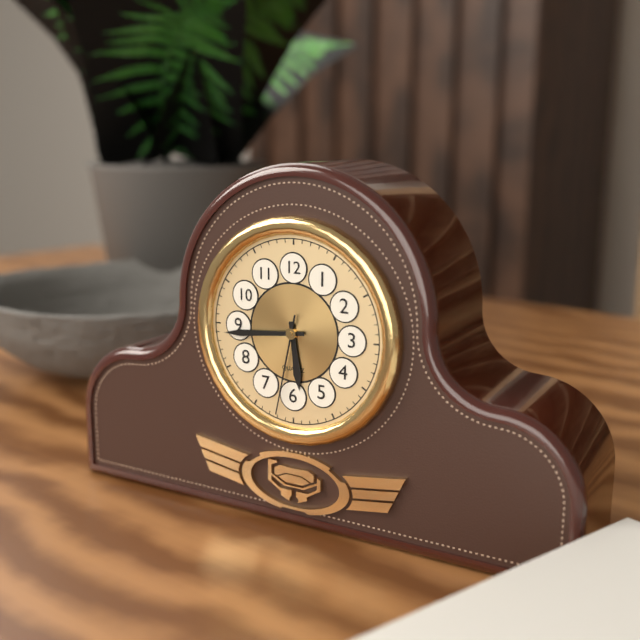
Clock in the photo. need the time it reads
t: 5:44:32
